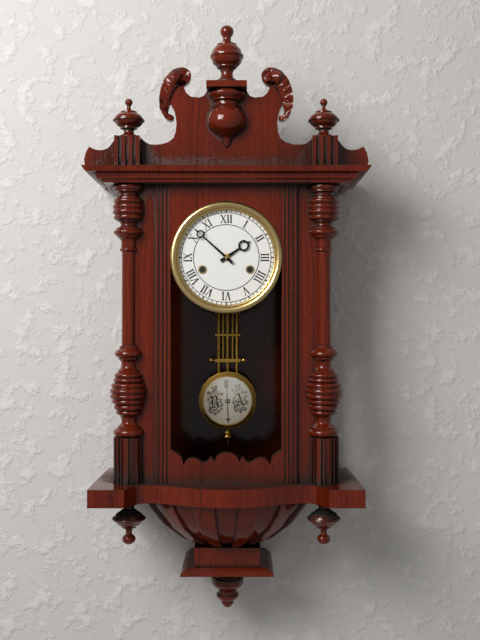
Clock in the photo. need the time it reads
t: 1:52
